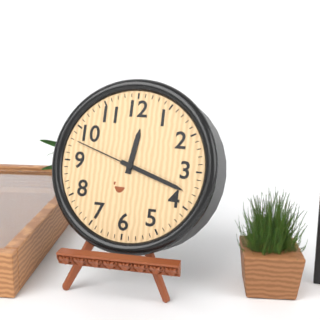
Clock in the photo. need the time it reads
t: 12:18:48
